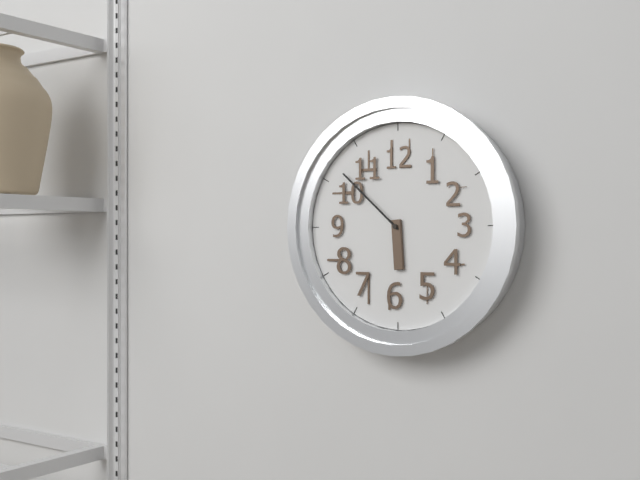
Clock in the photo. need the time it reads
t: 5:52
